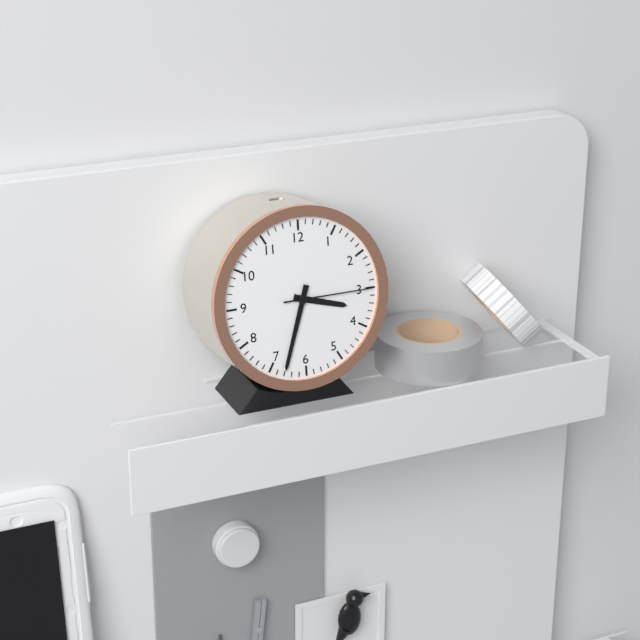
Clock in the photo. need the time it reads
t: 3:33:15
